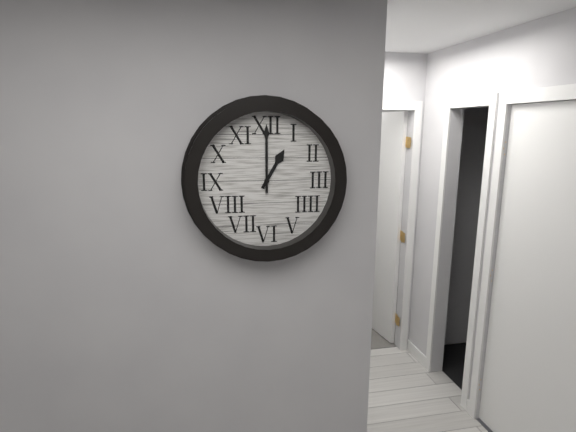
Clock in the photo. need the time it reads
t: 1:00
